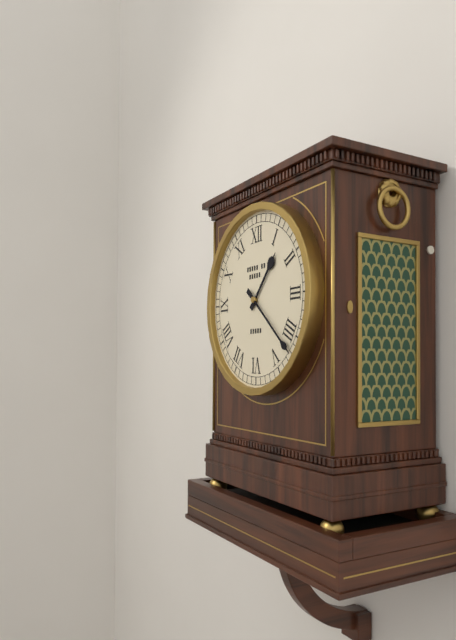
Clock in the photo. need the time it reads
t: 1:22
